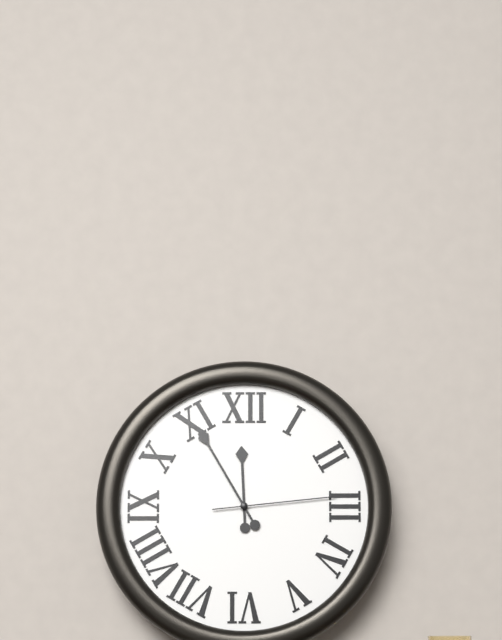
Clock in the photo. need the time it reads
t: 11:55:14
